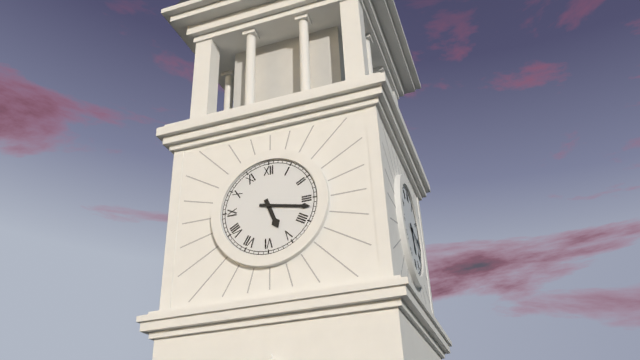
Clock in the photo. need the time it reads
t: 5:17
